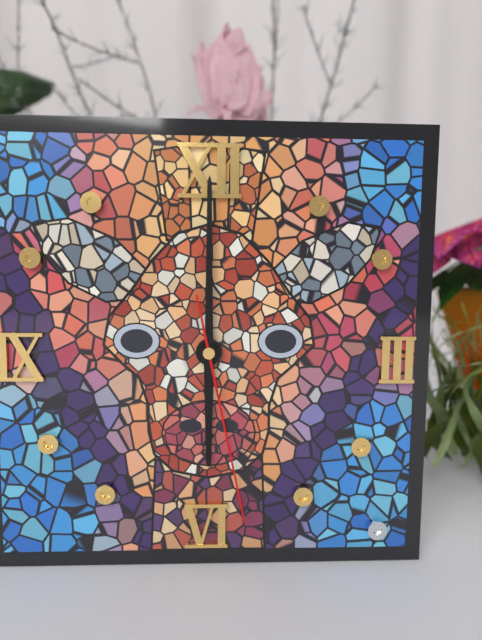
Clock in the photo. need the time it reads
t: 6:00:28
